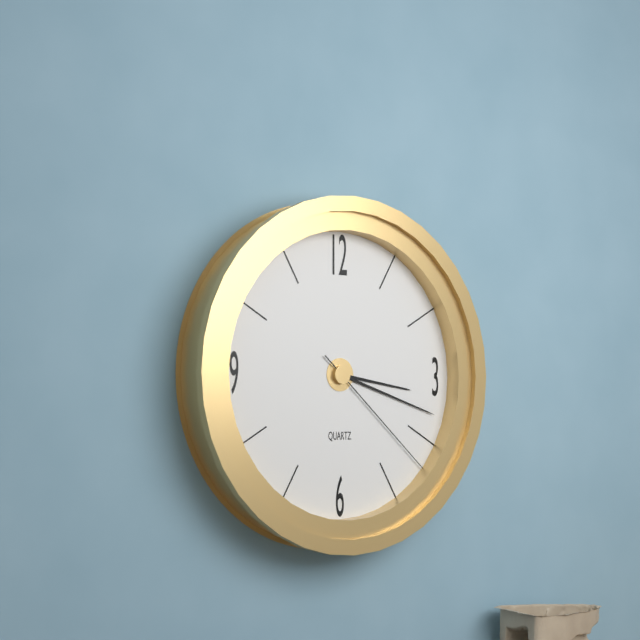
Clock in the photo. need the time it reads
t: 3:18:22
